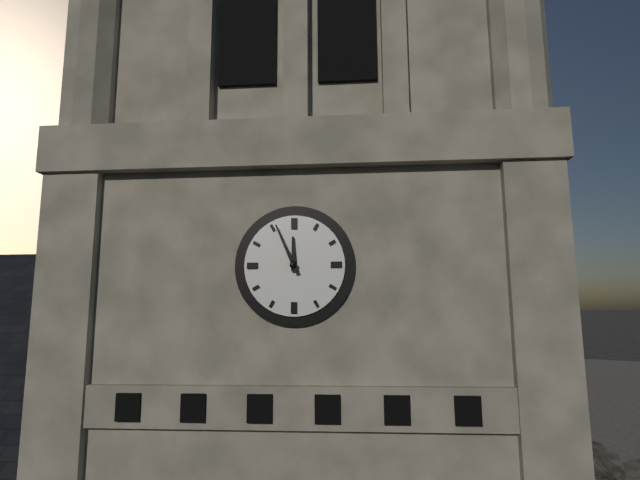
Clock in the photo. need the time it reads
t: 11:56
